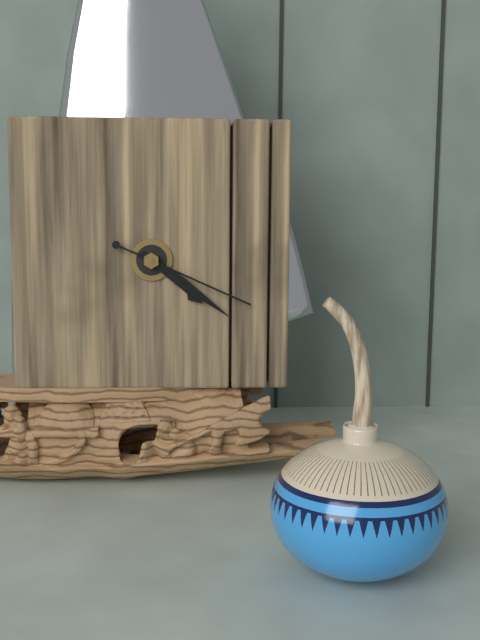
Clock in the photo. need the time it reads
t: 4:21:19
